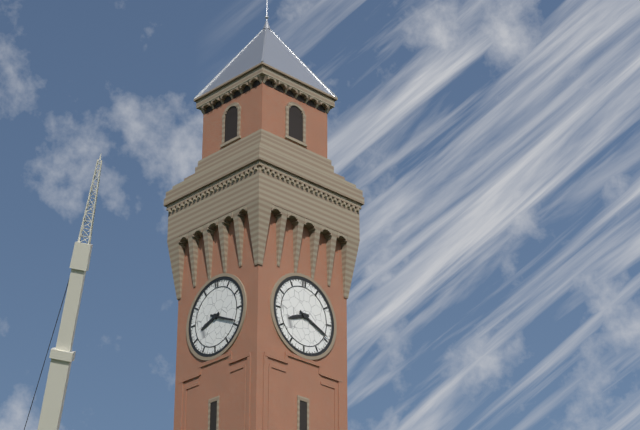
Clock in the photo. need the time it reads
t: 8:19
